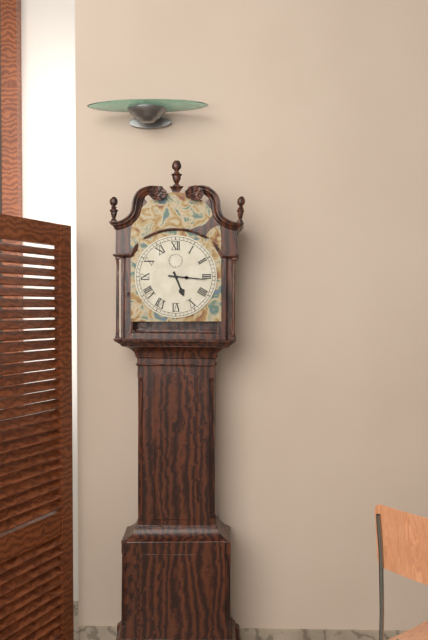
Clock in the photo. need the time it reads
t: 5:16
